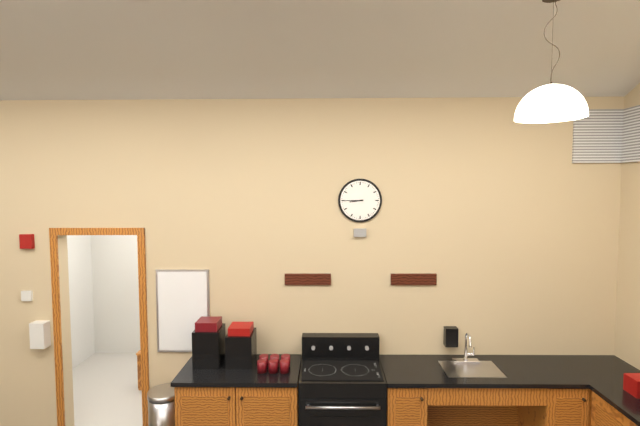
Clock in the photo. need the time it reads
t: 8:45
